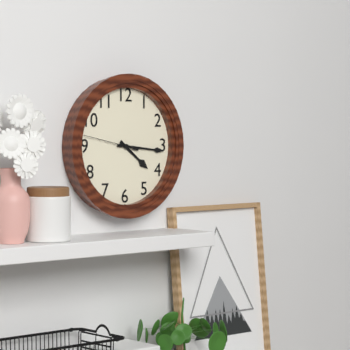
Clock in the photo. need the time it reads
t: 4:16:47
